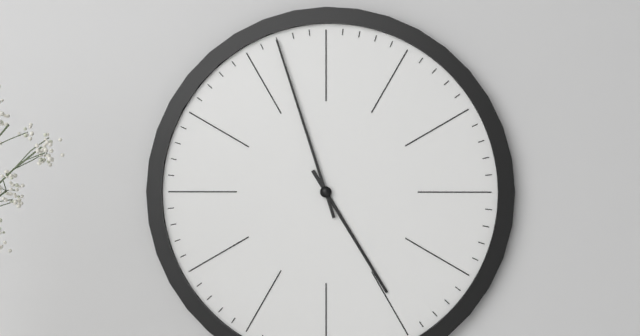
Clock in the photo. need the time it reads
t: 4:57
